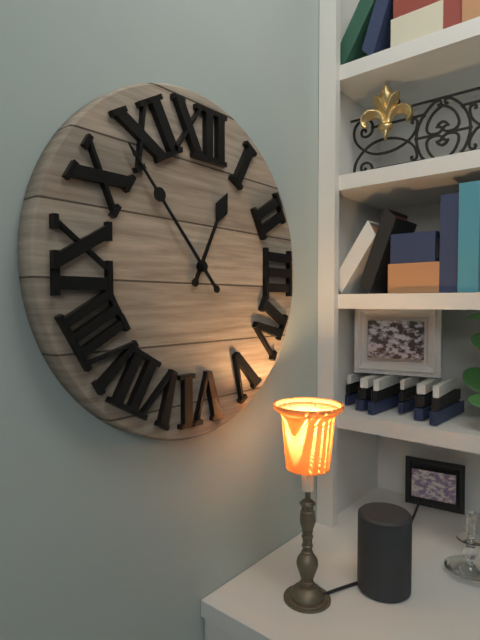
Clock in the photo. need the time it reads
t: 12:53
